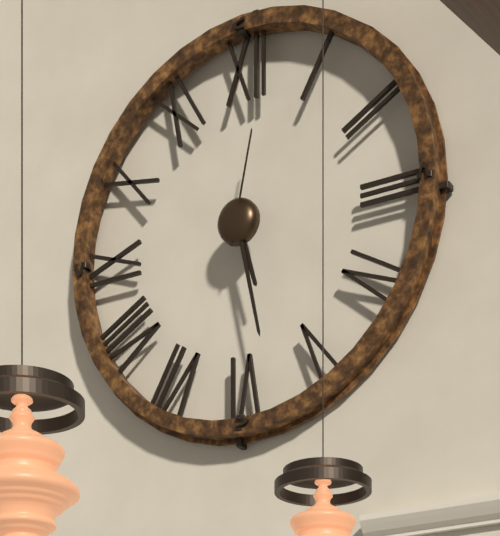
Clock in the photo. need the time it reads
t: 5:28:02
